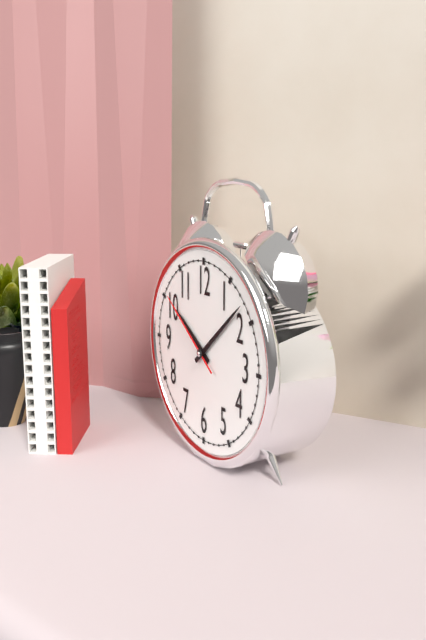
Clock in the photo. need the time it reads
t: 10:08:51
